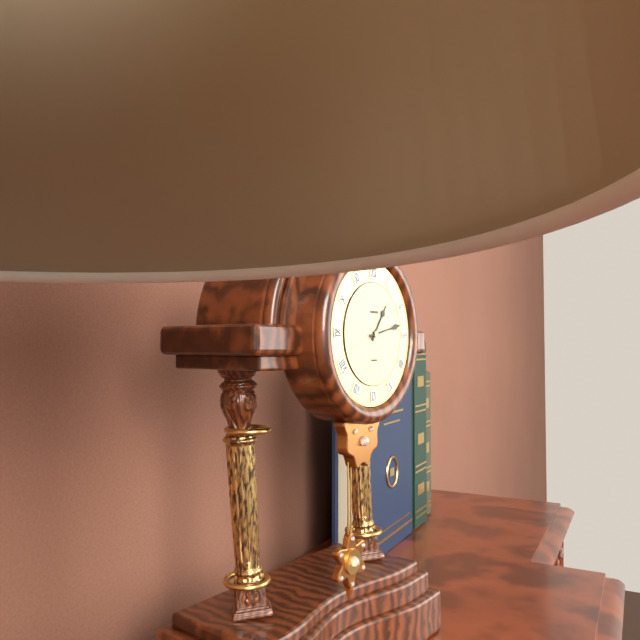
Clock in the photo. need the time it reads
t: 1:13
